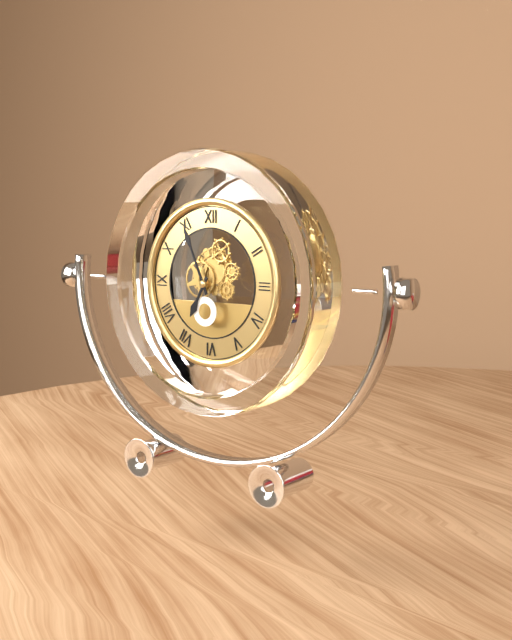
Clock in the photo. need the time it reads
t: 6:56
